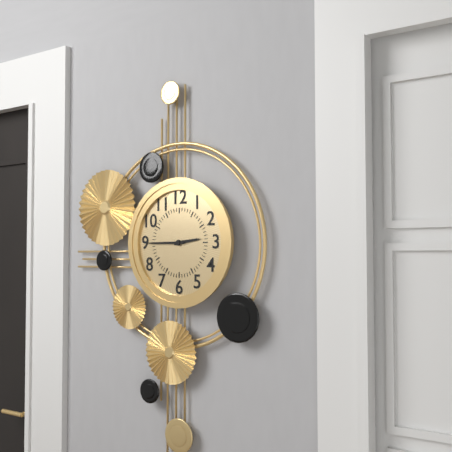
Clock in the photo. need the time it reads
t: 2:45
